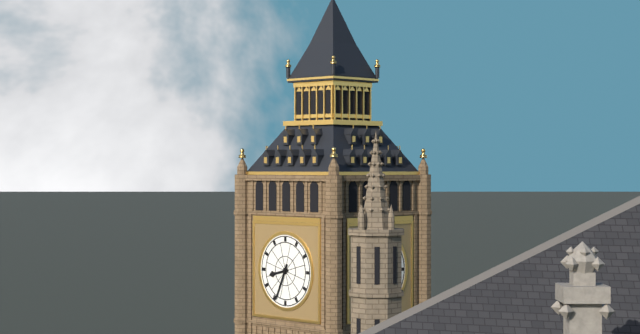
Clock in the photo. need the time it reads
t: 8:34
